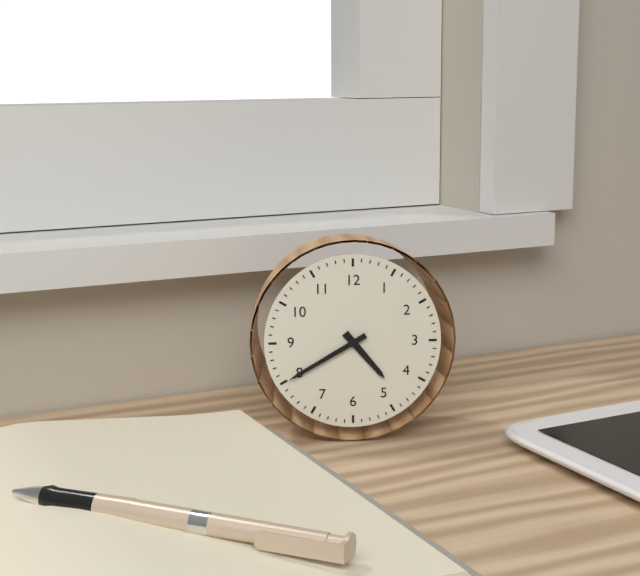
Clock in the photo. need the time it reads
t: 4:40
